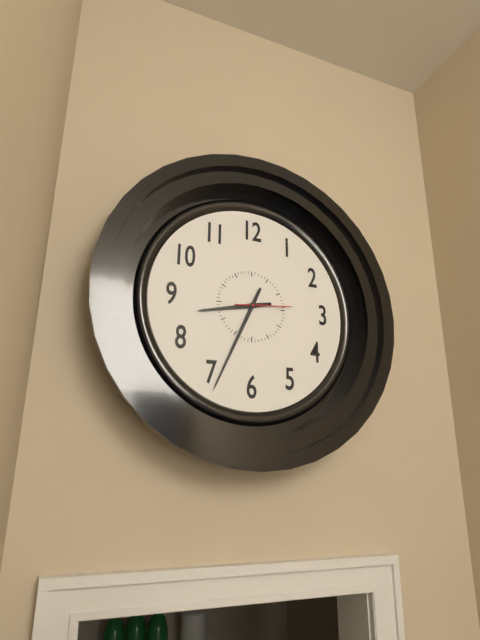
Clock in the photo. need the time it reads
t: 8:34:14
